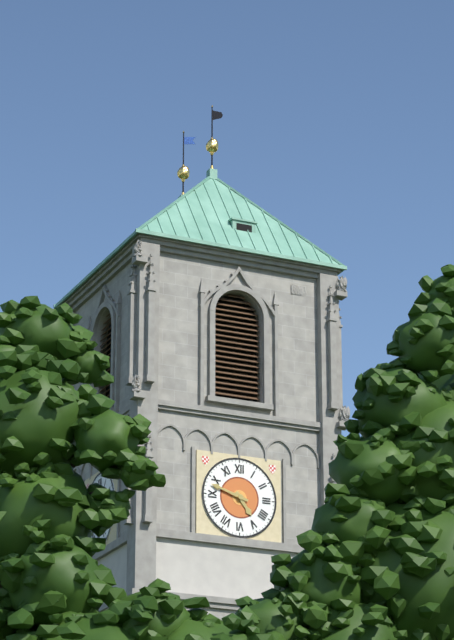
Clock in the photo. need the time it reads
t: 4:48
